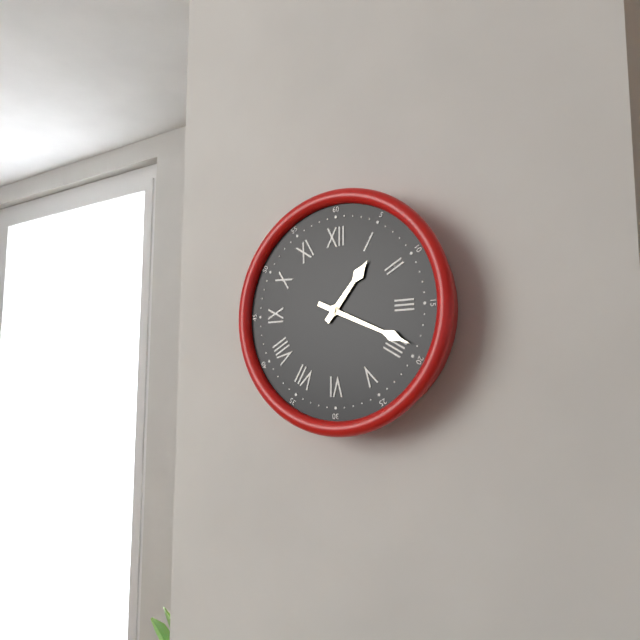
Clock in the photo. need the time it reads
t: 1:19
